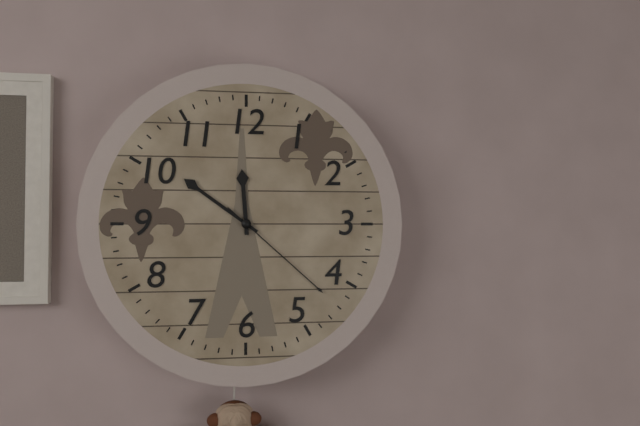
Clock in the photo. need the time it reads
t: 11:51:22
